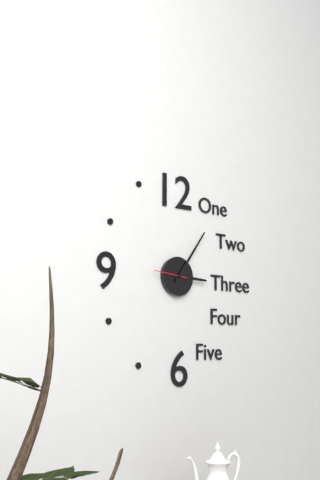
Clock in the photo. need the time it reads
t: 3:06
